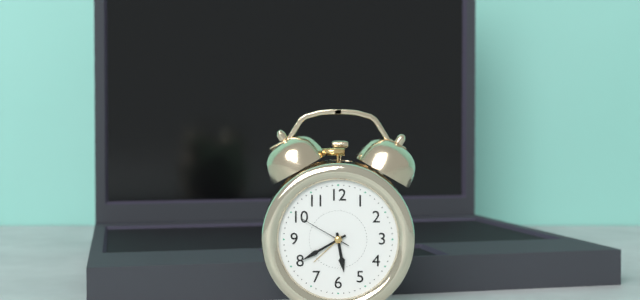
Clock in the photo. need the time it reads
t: 5:40:50
